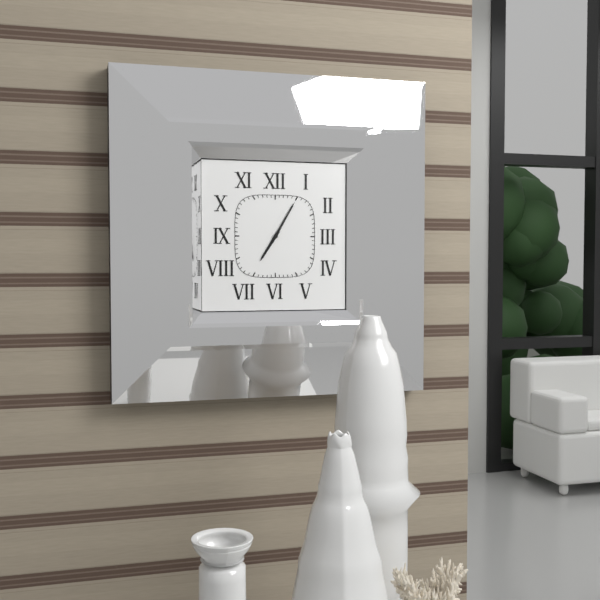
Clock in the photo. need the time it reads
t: 7:05
